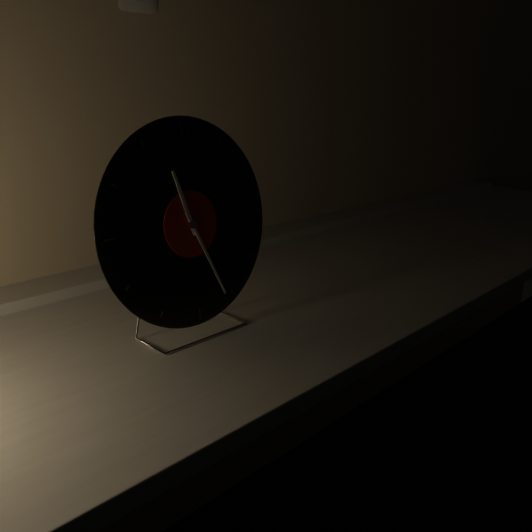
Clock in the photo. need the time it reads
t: 11:26
